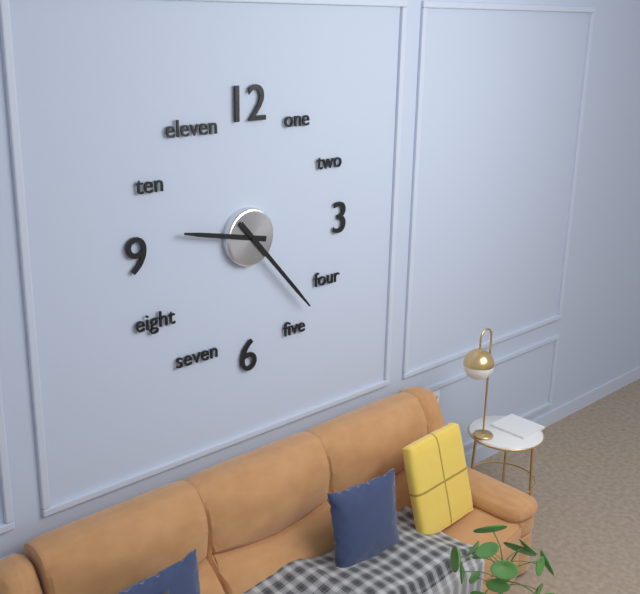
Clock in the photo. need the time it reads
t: 9:23
